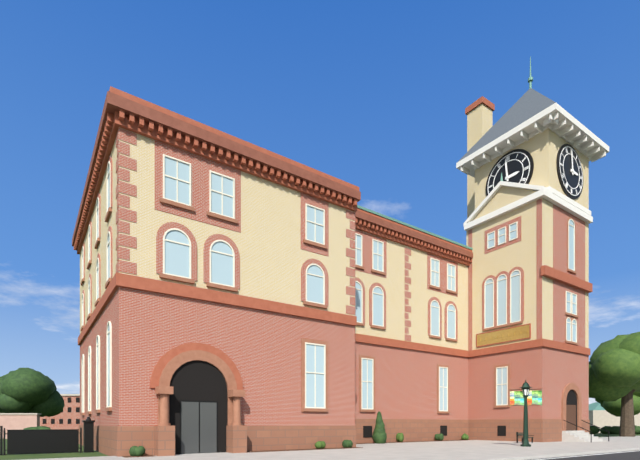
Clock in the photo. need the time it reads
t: 2:59
